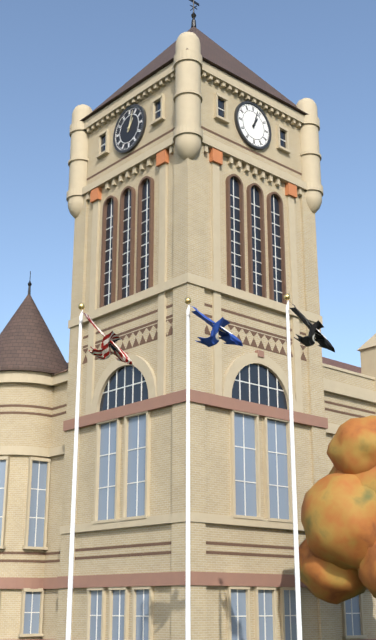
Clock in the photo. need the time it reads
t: 1:03
